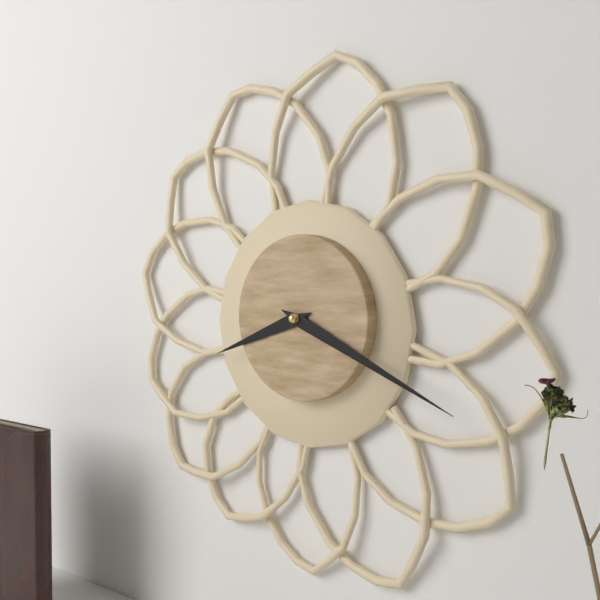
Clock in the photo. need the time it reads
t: 8:19
